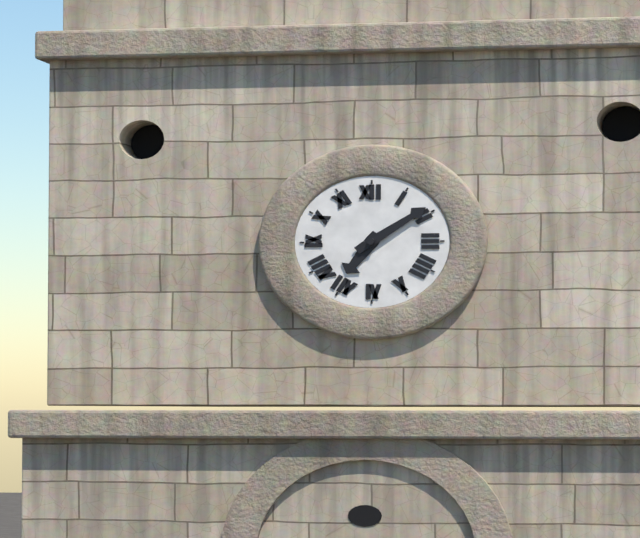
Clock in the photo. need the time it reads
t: 7:09
